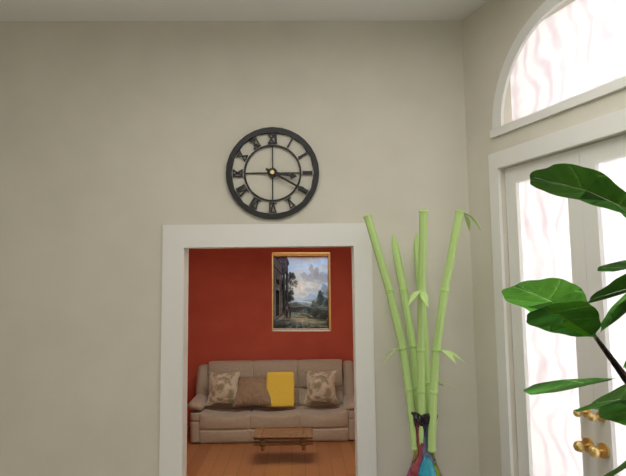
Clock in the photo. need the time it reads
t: 3:20
